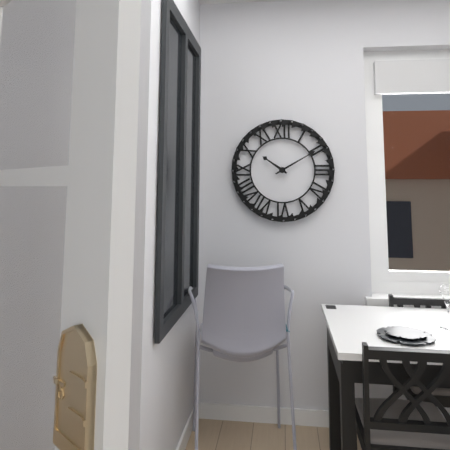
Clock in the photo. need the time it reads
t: 10:10
